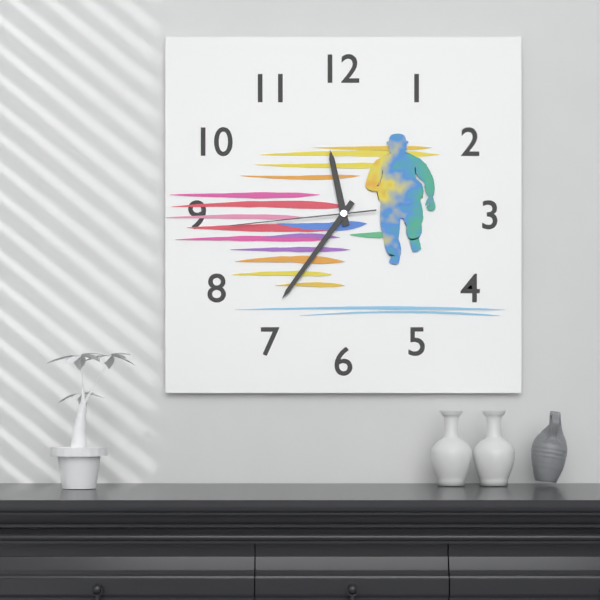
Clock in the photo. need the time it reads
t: 11:36:44
